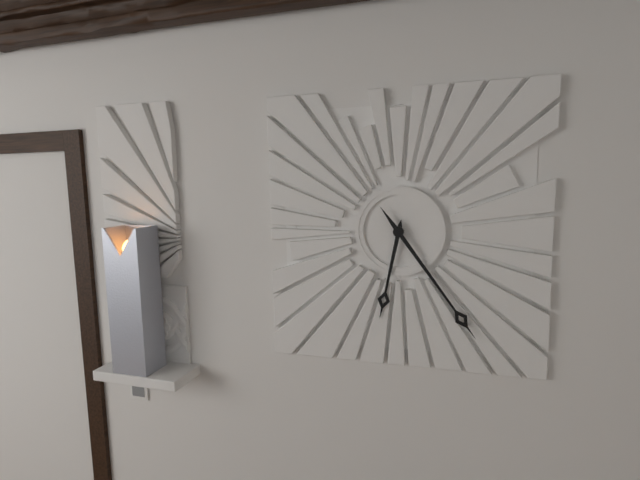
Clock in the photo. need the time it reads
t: 6:24
